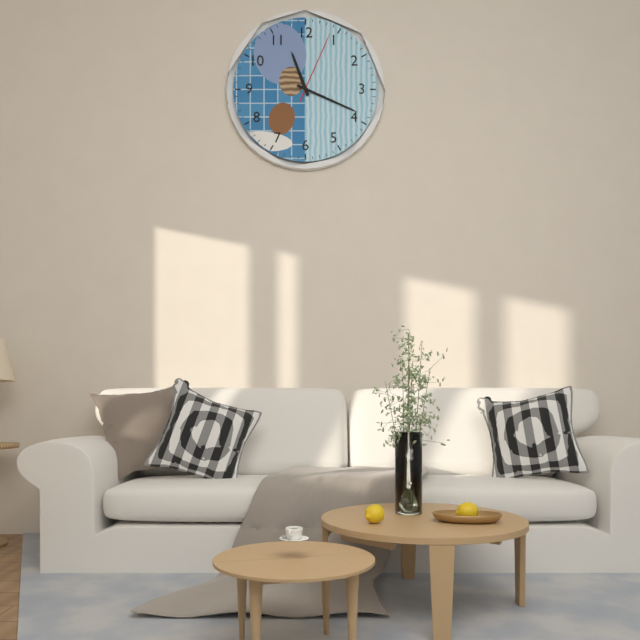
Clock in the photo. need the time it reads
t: 11:19:04
